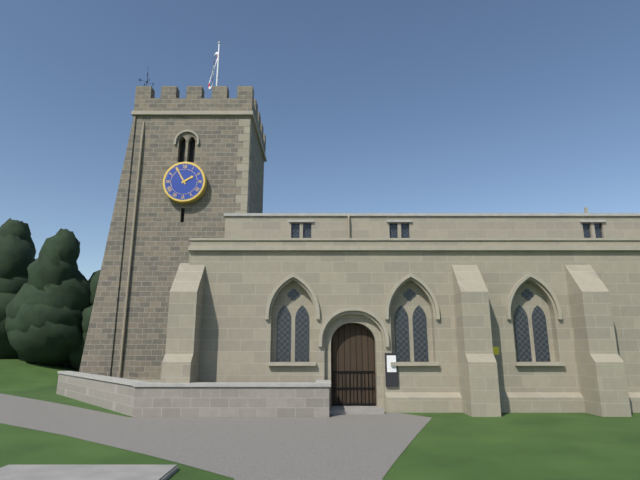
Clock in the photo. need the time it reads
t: 1:55
